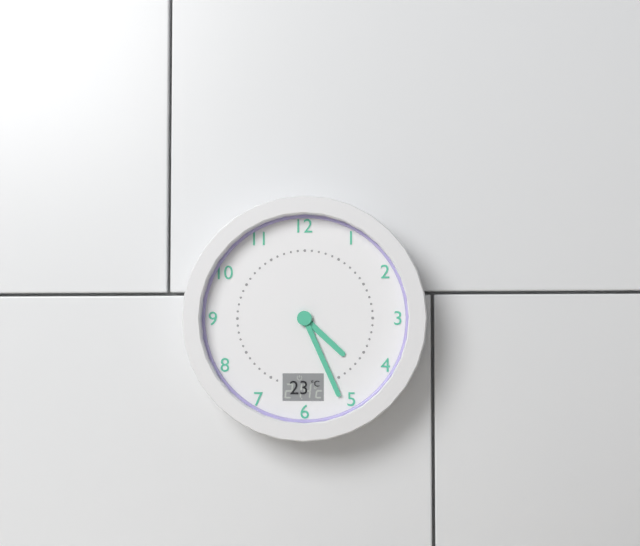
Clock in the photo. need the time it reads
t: 4:26
